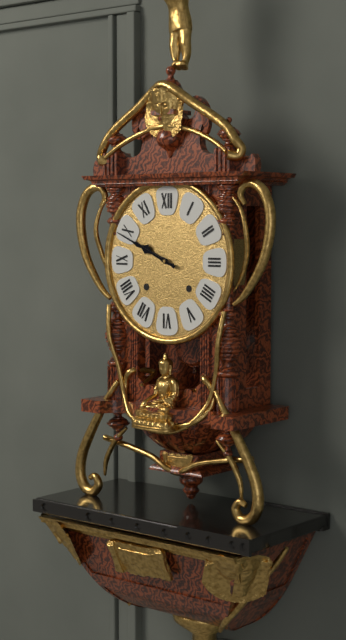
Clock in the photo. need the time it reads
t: 9:49
